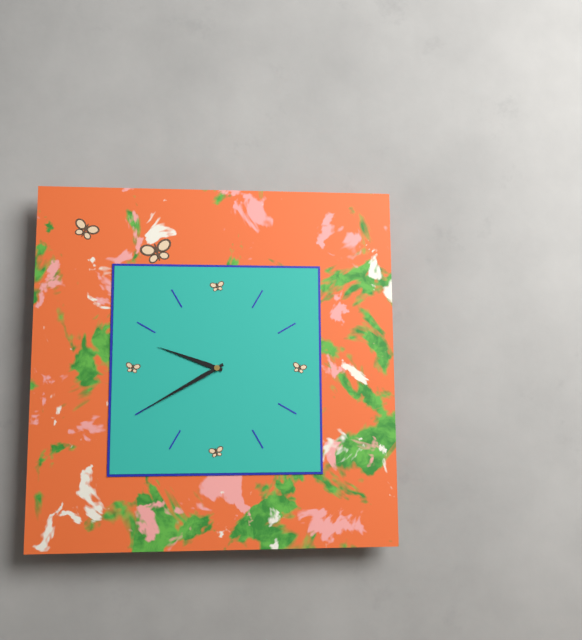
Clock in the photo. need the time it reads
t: 9:40
